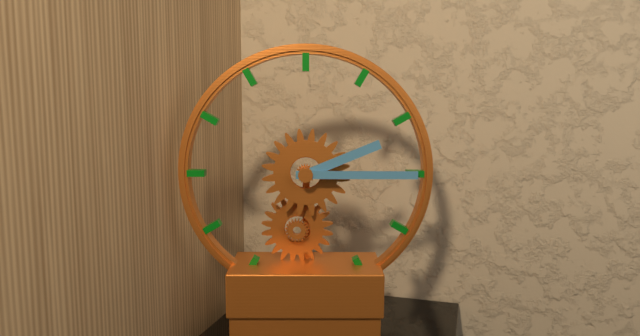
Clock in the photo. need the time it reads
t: 2:15
